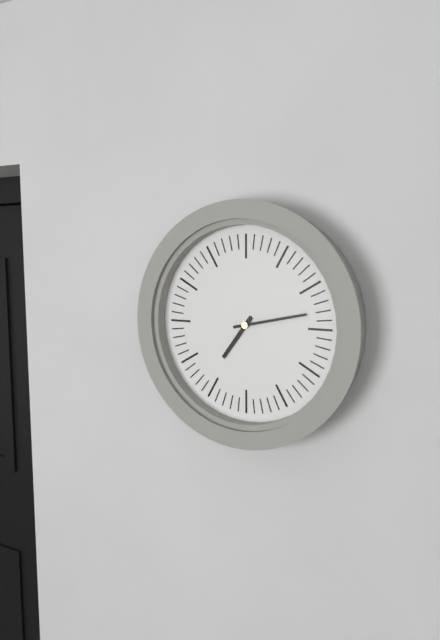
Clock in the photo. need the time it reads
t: 7:13
